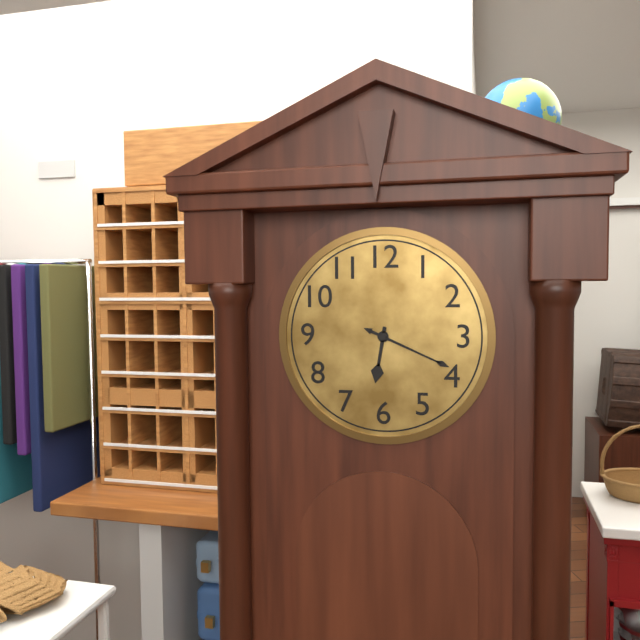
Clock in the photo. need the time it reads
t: 6:19
